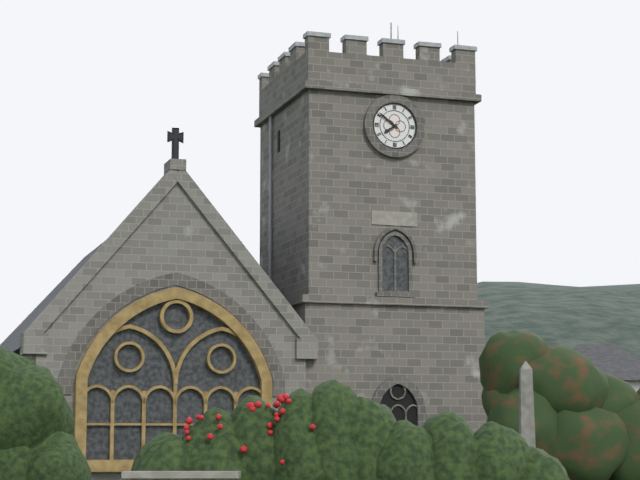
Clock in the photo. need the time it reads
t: 7:51
